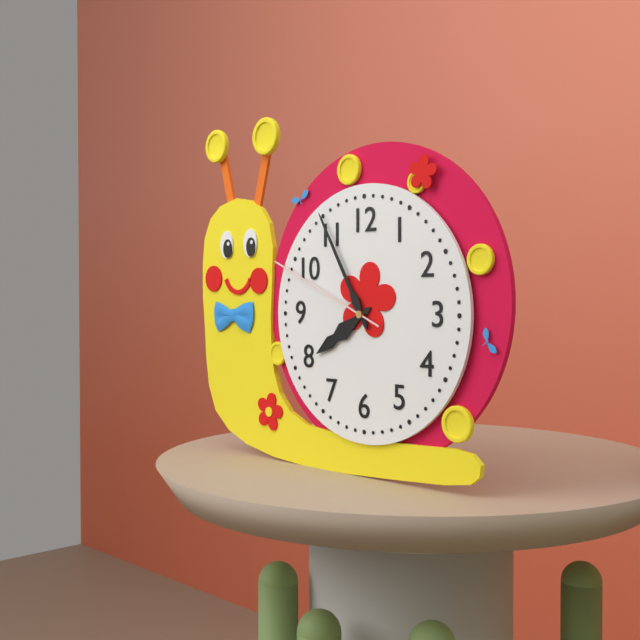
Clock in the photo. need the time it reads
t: 7:55:49
